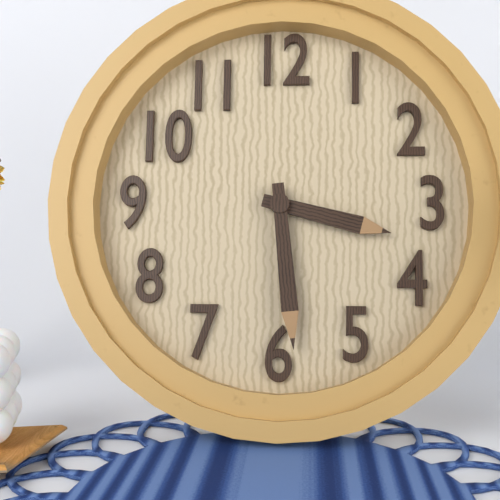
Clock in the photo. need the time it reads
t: 3:29
